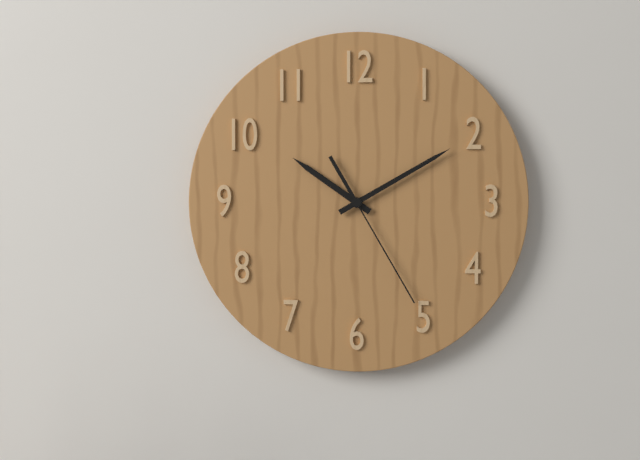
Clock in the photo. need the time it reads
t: 10:10:25
